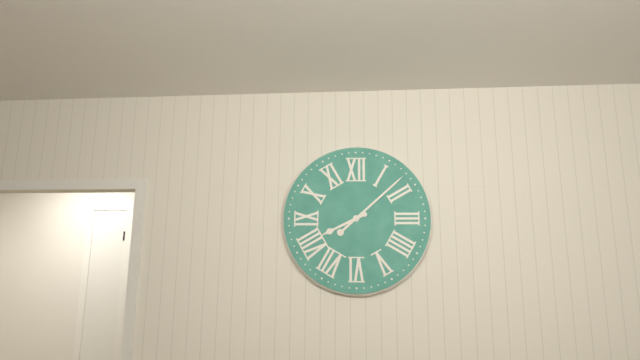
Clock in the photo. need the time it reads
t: 8:08
